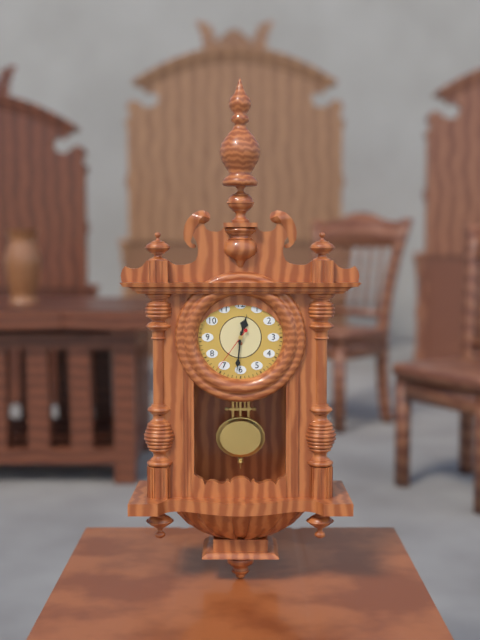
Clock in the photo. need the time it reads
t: 12:31:36
